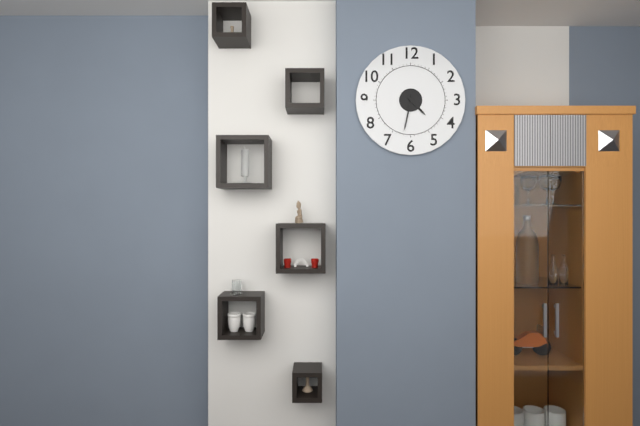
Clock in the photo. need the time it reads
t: 4:32
